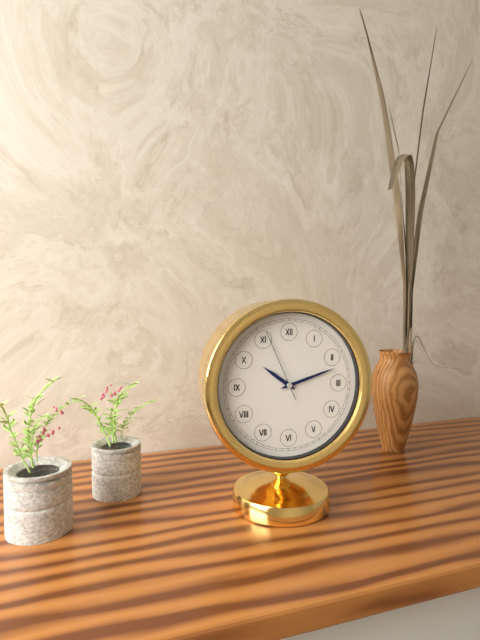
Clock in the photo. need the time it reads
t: 10:12:56
